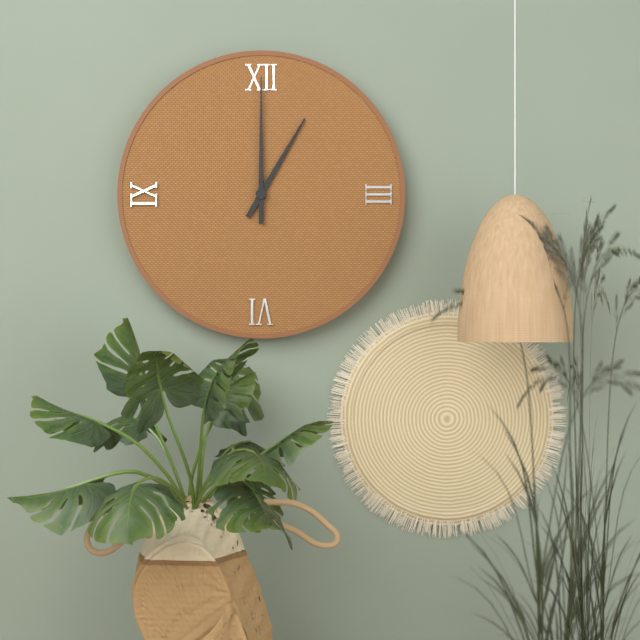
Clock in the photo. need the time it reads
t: 1:00
